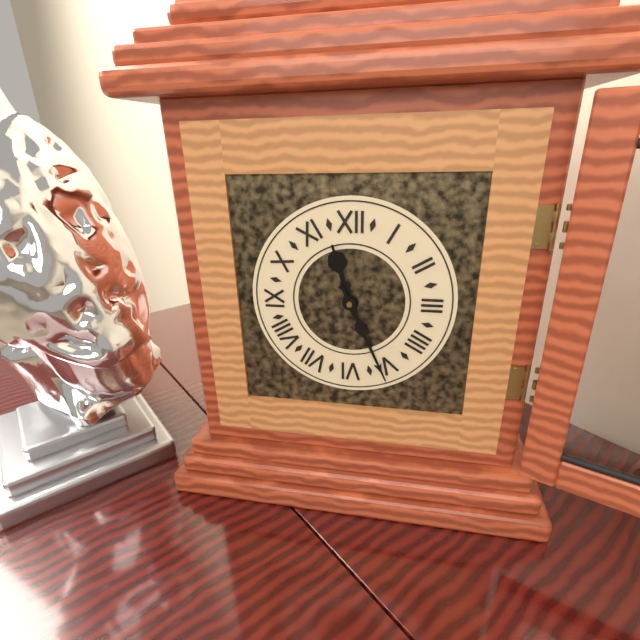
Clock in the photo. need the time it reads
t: 11:26
